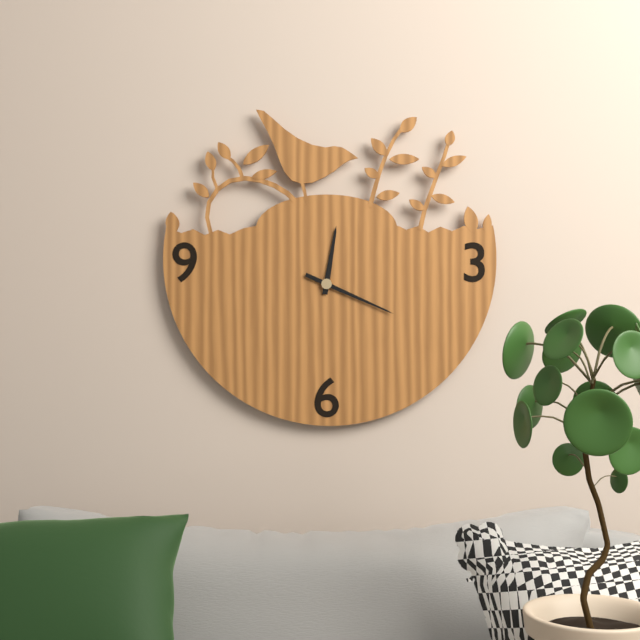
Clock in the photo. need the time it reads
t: 12:19
